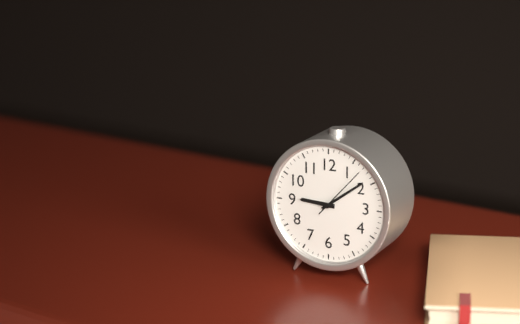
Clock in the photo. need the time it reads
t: 9:09:07
